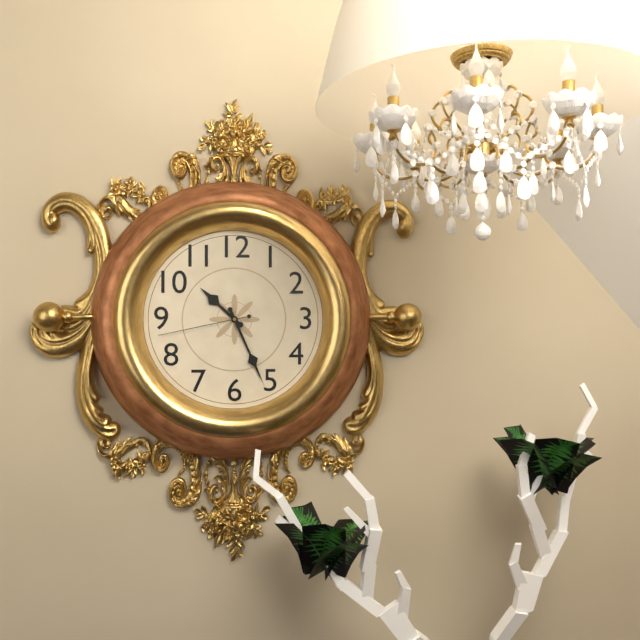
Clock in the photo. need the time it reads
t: 10:26:43
